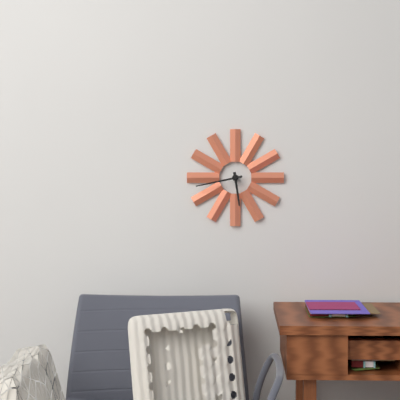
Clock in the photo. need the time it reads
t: 5:43
